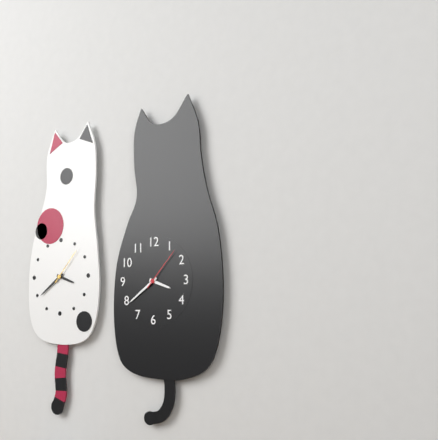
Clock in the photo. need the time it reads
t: 3:39
